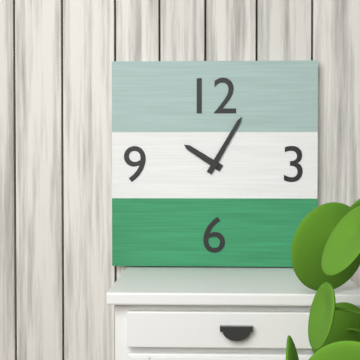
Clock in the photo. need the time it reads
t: 10:05
